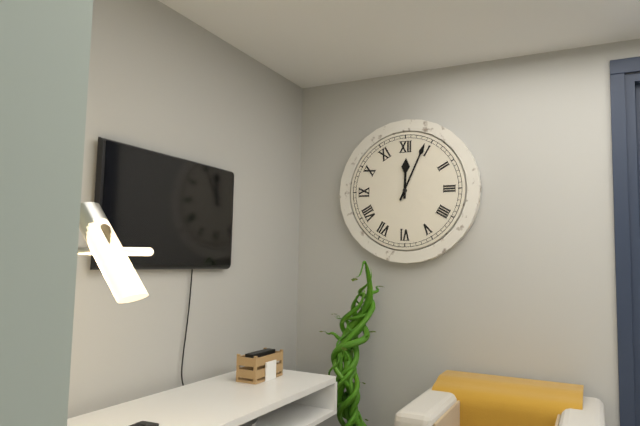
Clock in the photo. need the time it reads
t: 12:04
